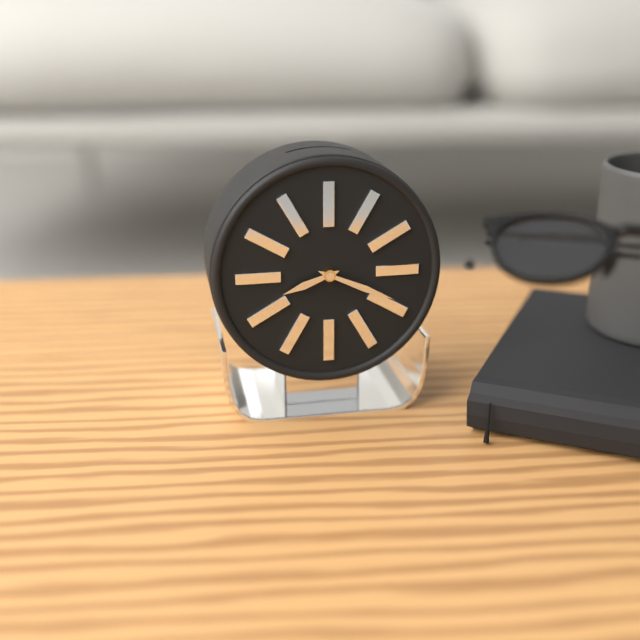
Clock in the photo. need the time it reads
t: 8:19
